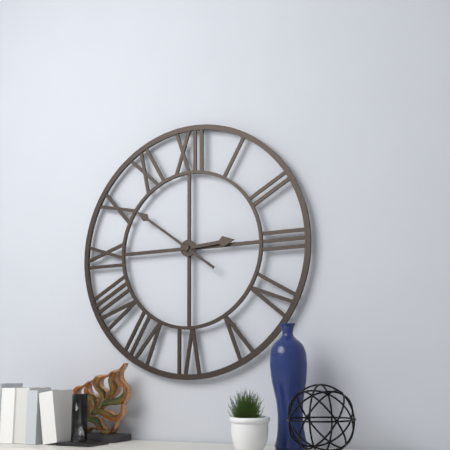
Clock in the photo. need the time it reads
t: 2:51
